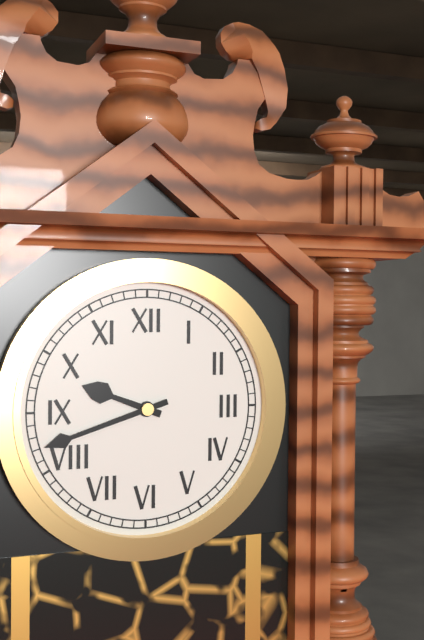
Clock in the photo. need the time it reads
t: 9:42
